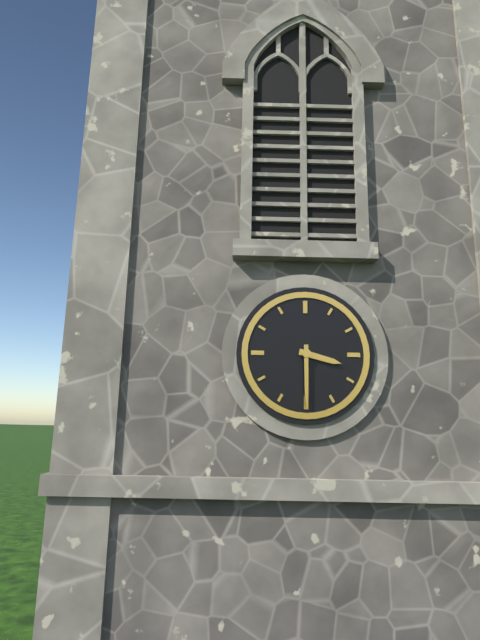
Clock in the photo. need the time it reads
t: 3:30
